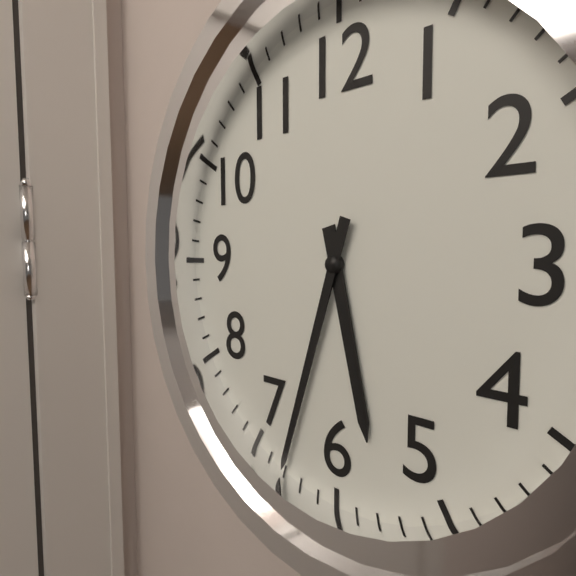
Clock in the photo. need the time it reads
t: 5:33
